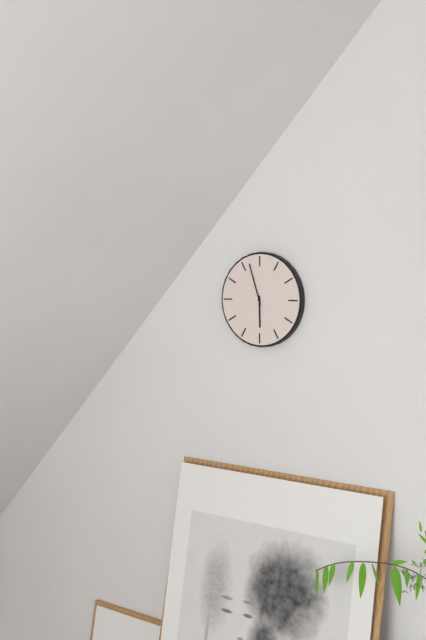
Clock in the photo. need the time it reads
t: 5:57
